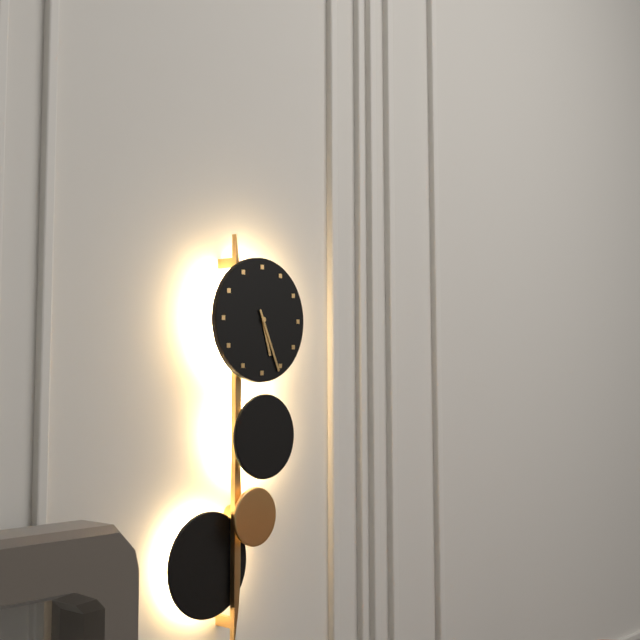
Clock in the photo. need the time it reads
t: 5:26
